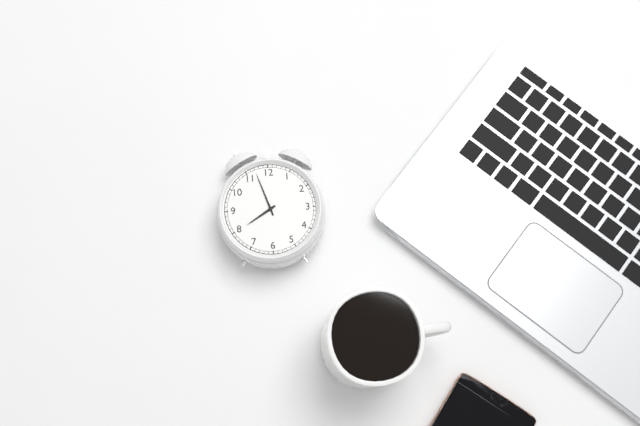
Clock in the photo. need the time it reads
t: 7:57
